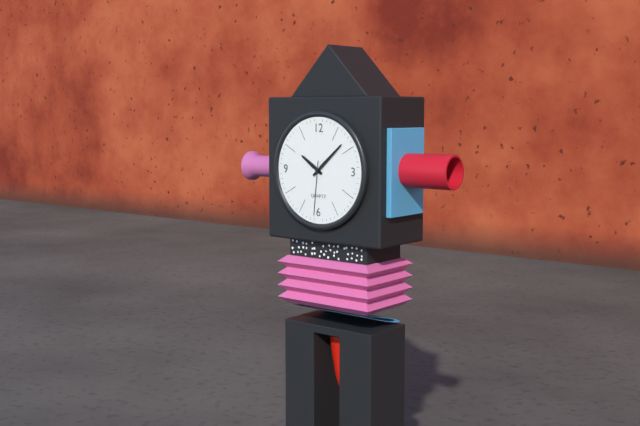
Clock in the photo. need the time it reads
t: 10:08:31
